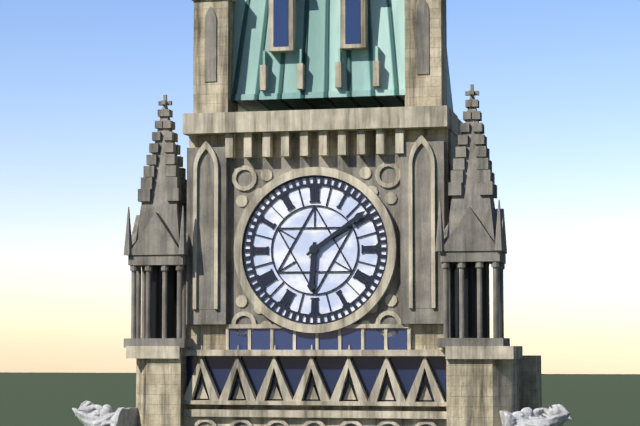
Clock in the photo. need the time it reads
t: 6:09
